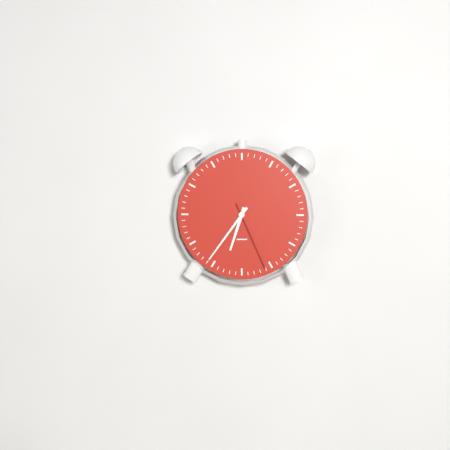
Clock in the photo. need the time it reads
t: 6:36:26
